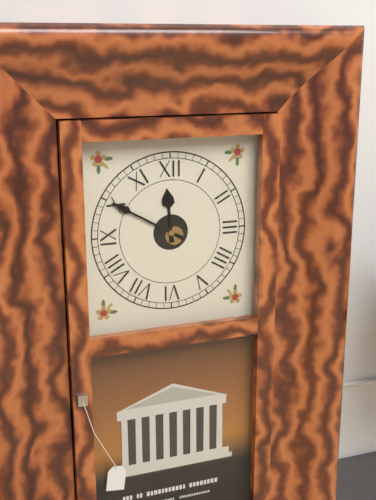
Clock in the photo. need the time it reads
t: 11:50
